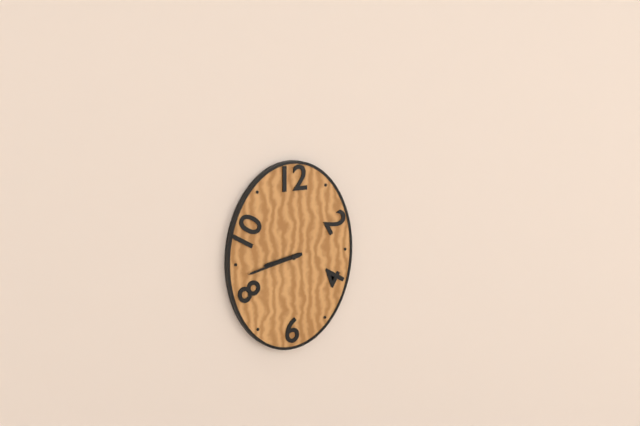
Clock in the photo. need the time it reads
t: 8:43
